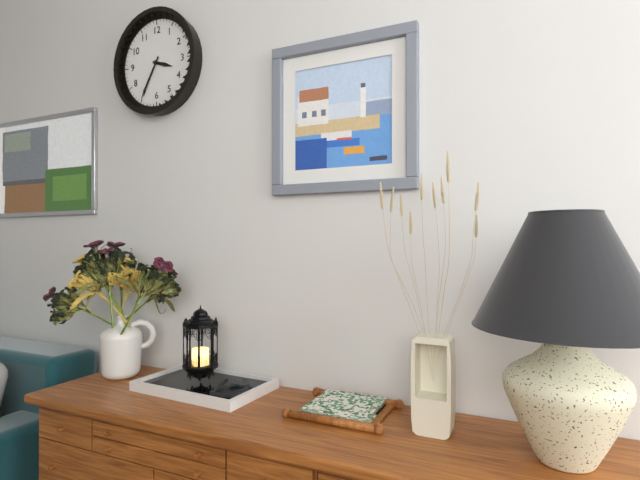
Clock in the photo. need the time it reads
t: 3:35
